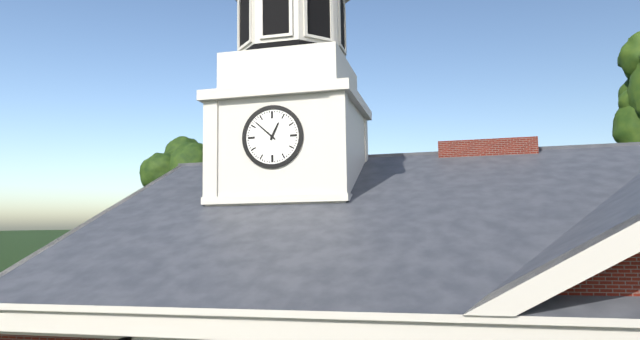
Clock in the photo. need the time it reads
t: 12:52
